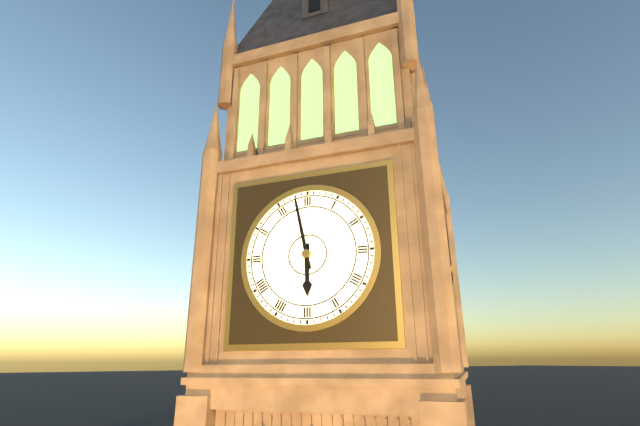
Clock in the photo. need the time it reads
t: 5:58
